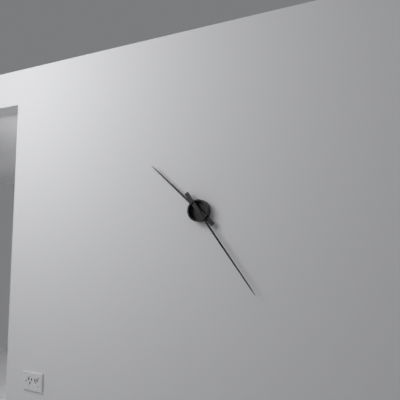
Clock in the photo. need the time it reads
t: 10:24
